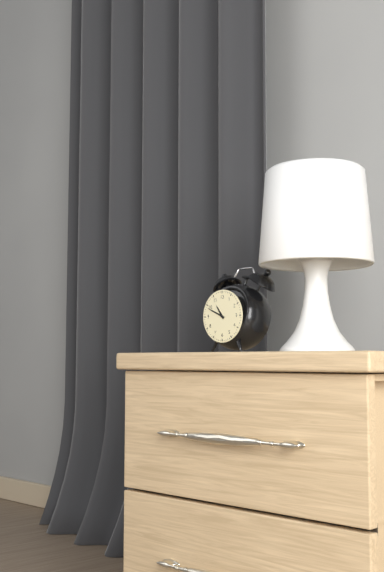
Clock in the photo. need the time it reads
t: 10:49
